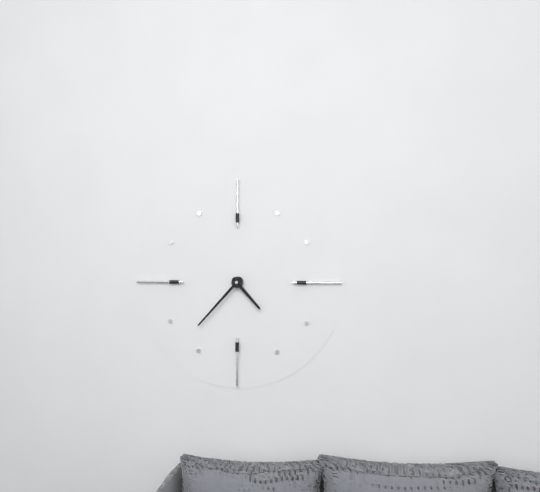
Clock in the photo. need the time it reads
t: 4:37
